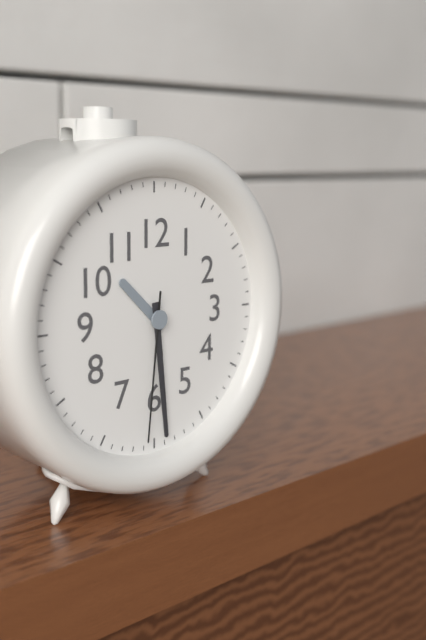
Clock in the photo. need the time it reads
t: 10:29:31
